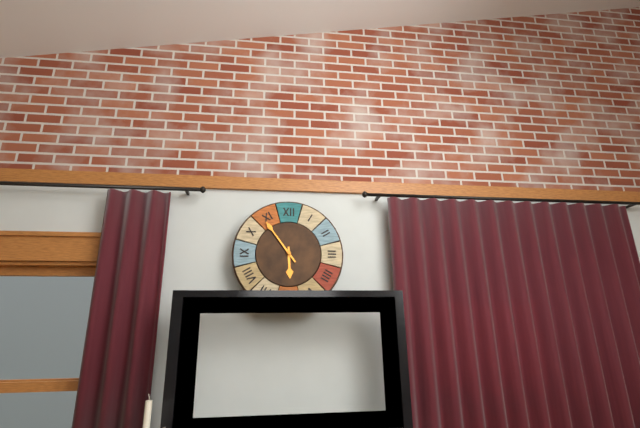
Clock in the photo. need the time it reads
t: 5:54
